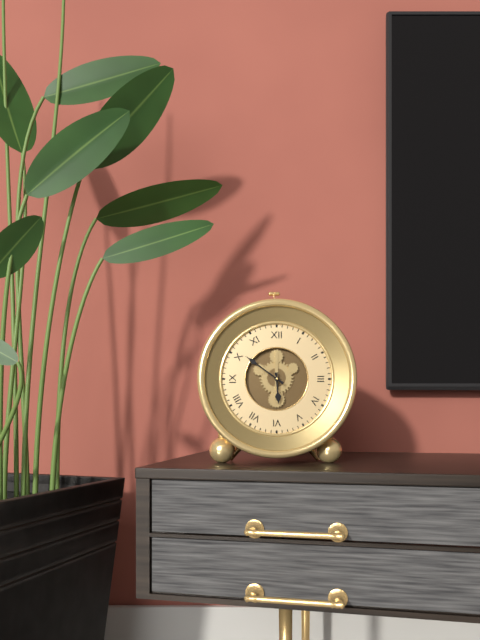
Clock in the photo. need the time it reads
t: 5:51
